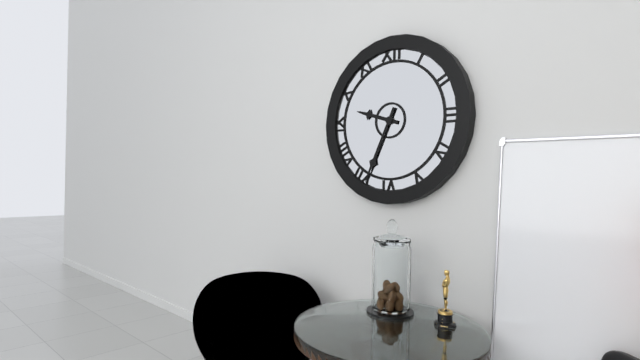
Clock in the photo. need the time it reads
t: 9:34
